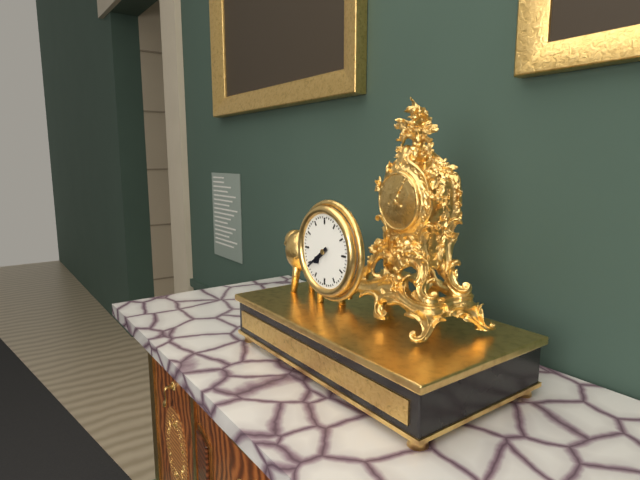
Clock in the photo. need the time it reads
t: 7:39
